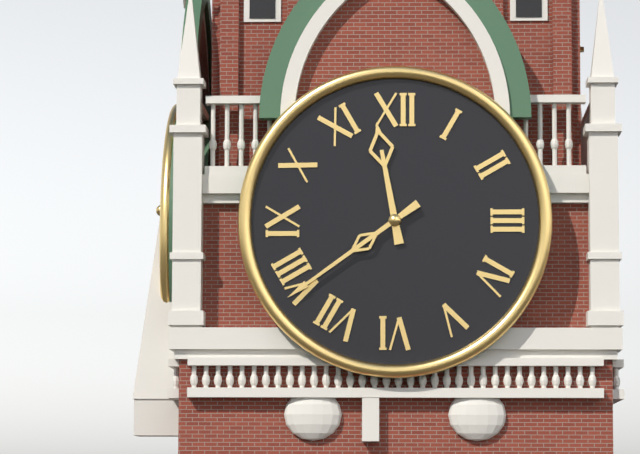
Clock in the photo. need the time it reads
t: 11:39
